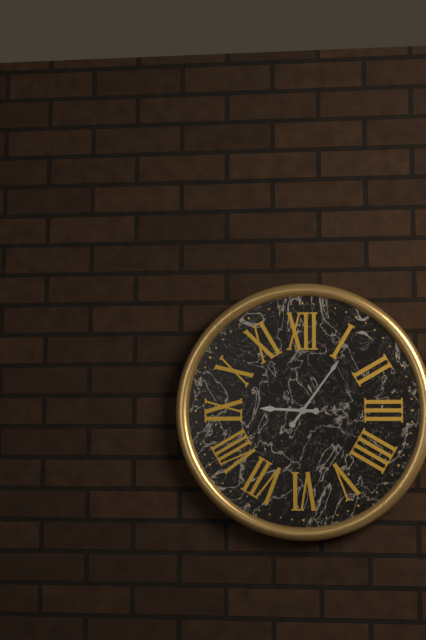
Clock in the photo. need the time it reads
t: 9:06
